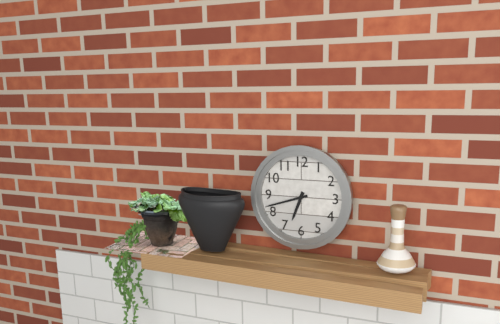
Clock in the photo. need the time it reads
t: 6:42
